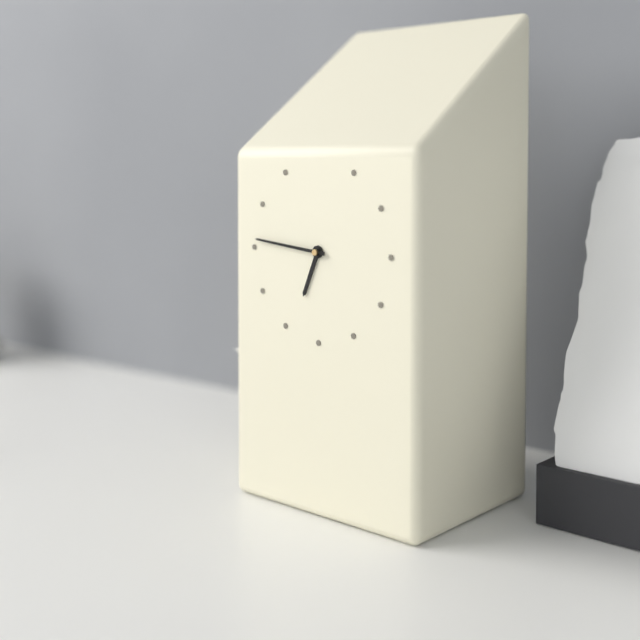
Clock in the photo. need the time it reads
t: 6:46
